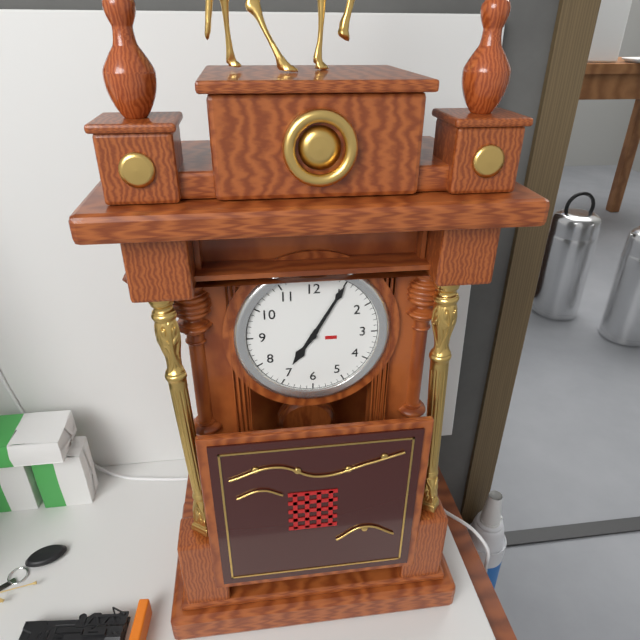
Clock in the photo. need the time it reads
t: 7:05
